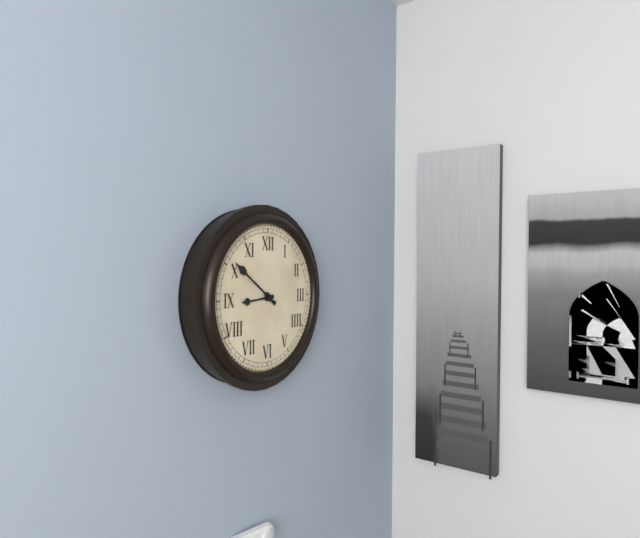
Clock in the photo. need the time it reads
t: 8:51
